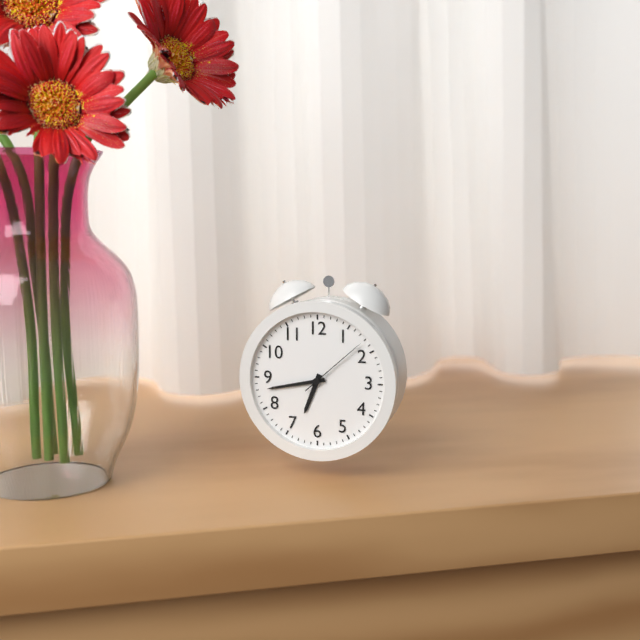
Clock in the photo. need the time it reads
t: 6:43:08
